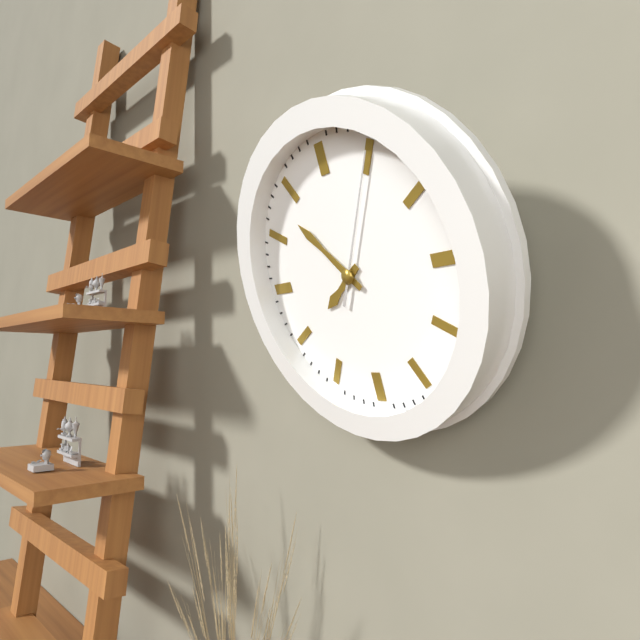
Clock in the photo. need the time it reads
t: 7:53:05
